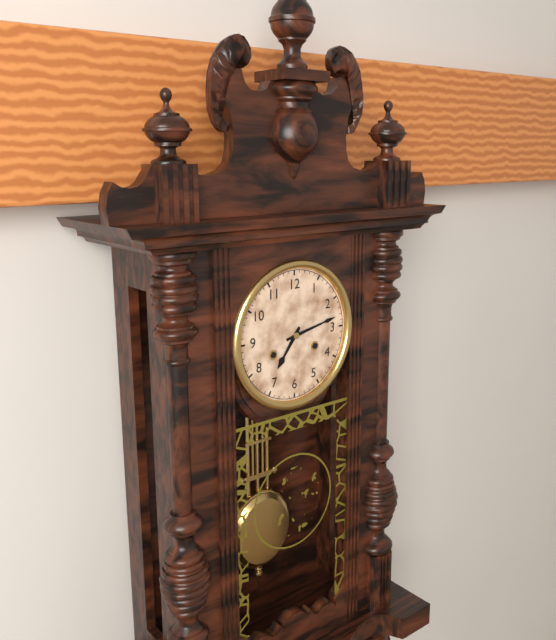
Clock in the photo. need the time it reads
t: 7:13
